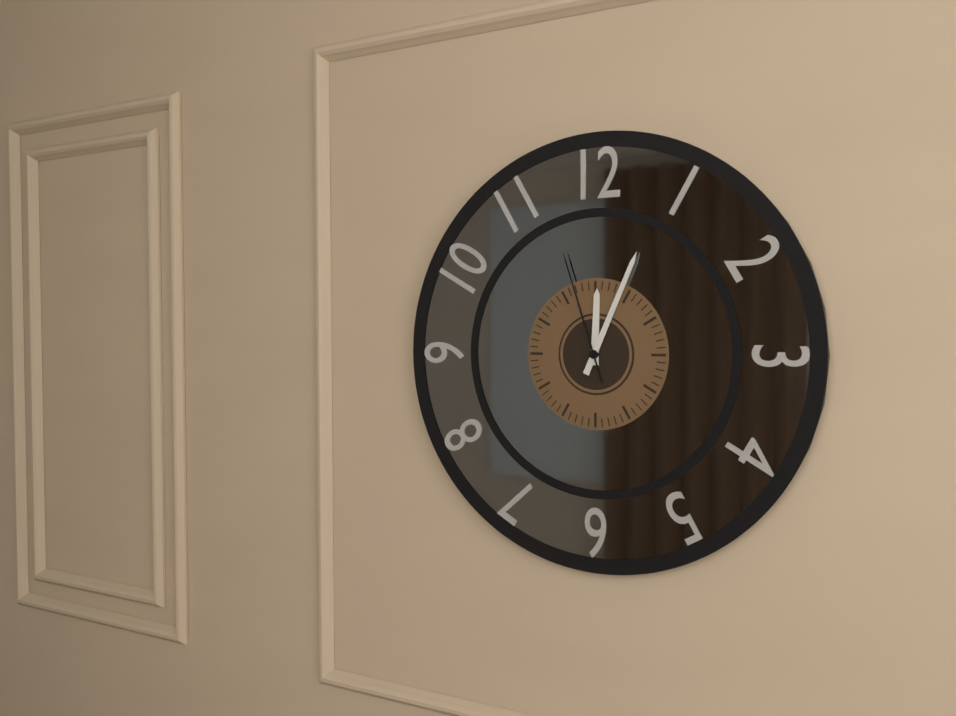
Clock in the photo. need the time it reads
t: 12:04:57
